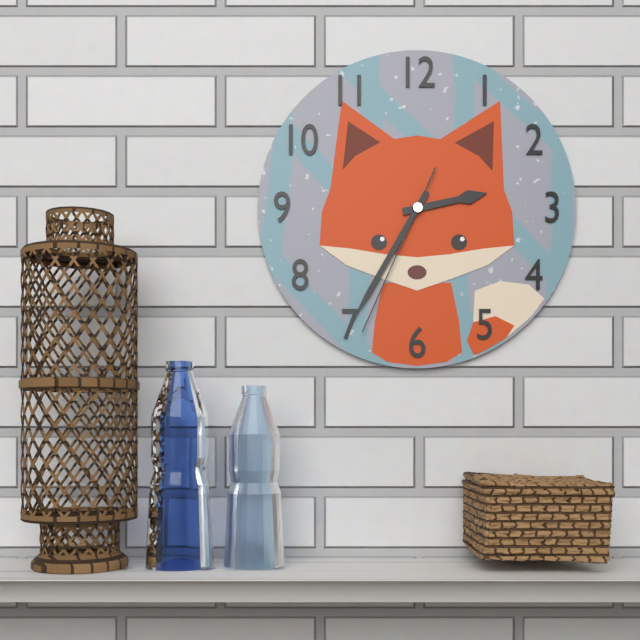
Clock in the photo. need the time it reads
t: 2:35:34
